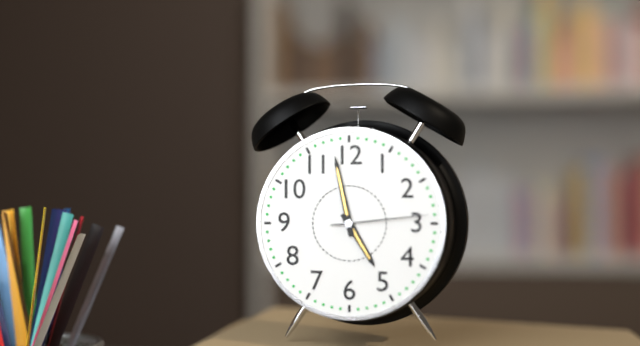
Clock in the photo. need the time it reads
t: 4:58:14
